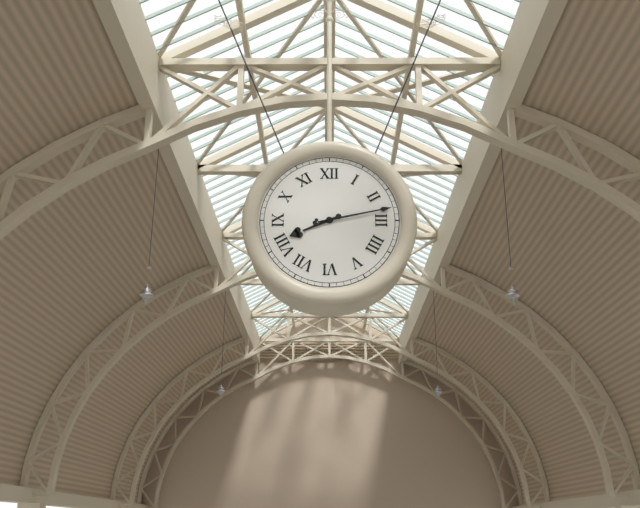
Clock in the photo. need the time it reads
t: 8:13
